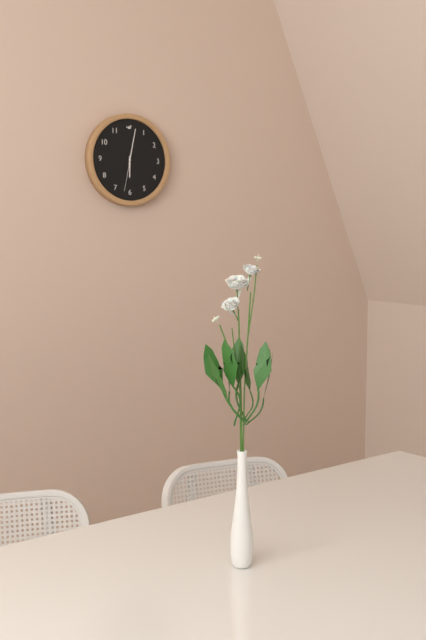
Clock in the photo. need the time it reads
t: 6:02
